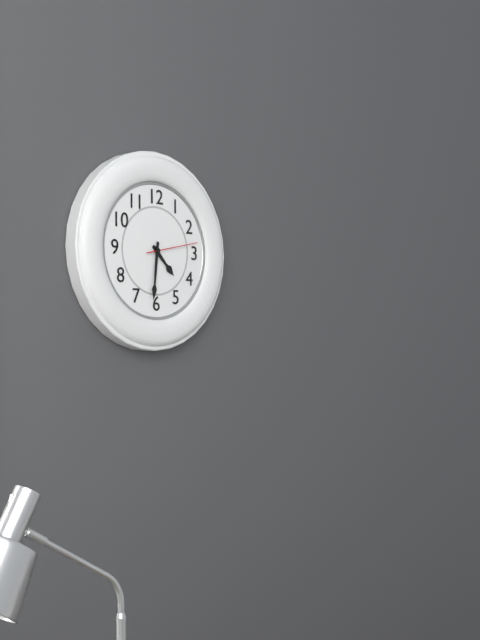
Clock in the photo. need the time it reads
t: 4:31:13
